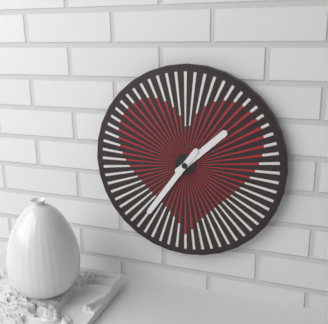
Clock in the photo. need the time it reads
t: 1:36
